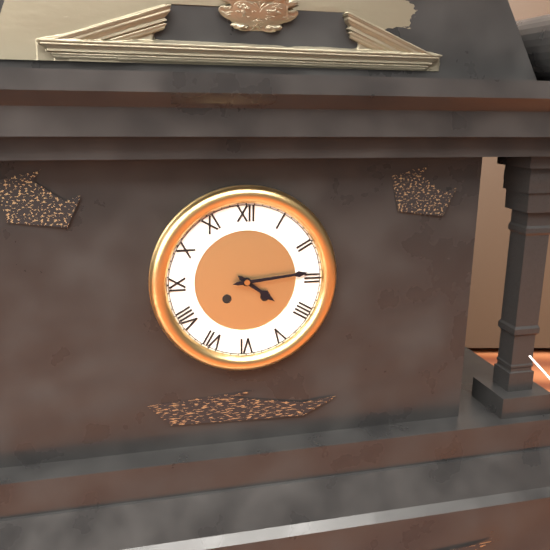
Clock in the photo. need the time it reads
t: 4:14
